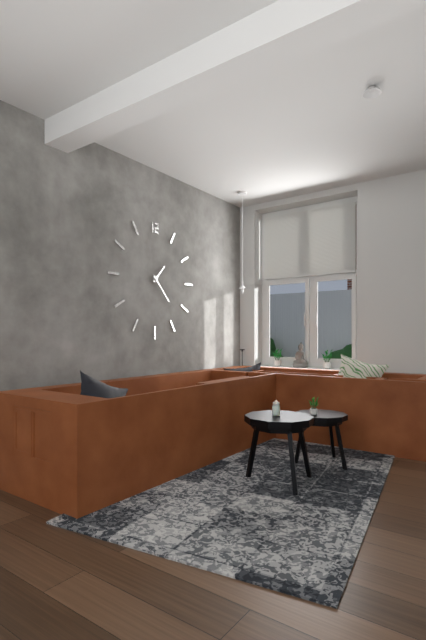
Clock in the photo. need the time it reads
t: 1:23
